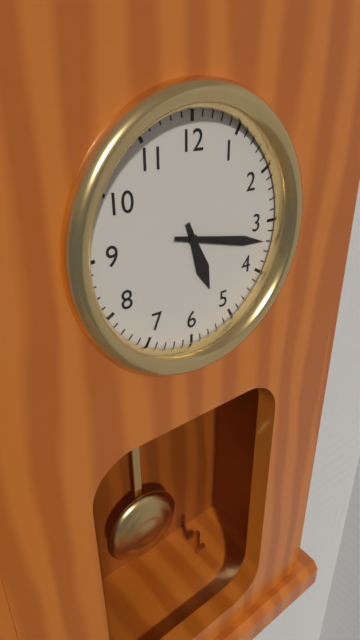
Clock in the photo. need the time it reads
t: 5:17
